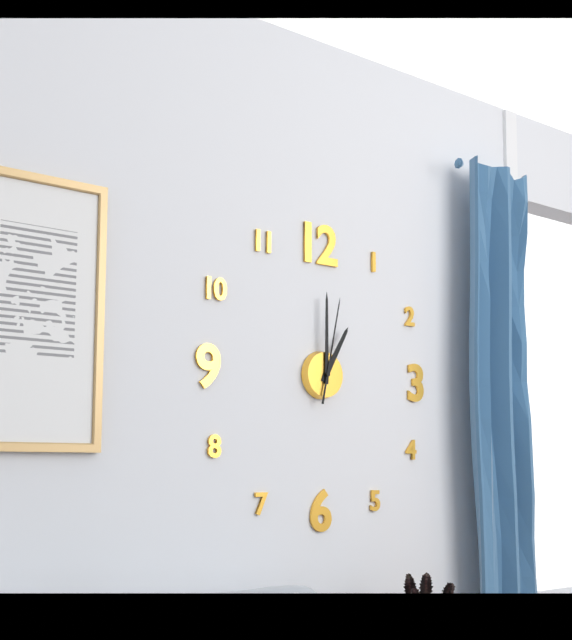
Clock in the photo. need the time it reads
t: 1:00:02
